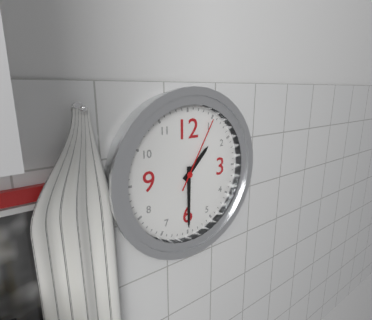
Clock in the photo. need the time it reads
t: 1:30:05
